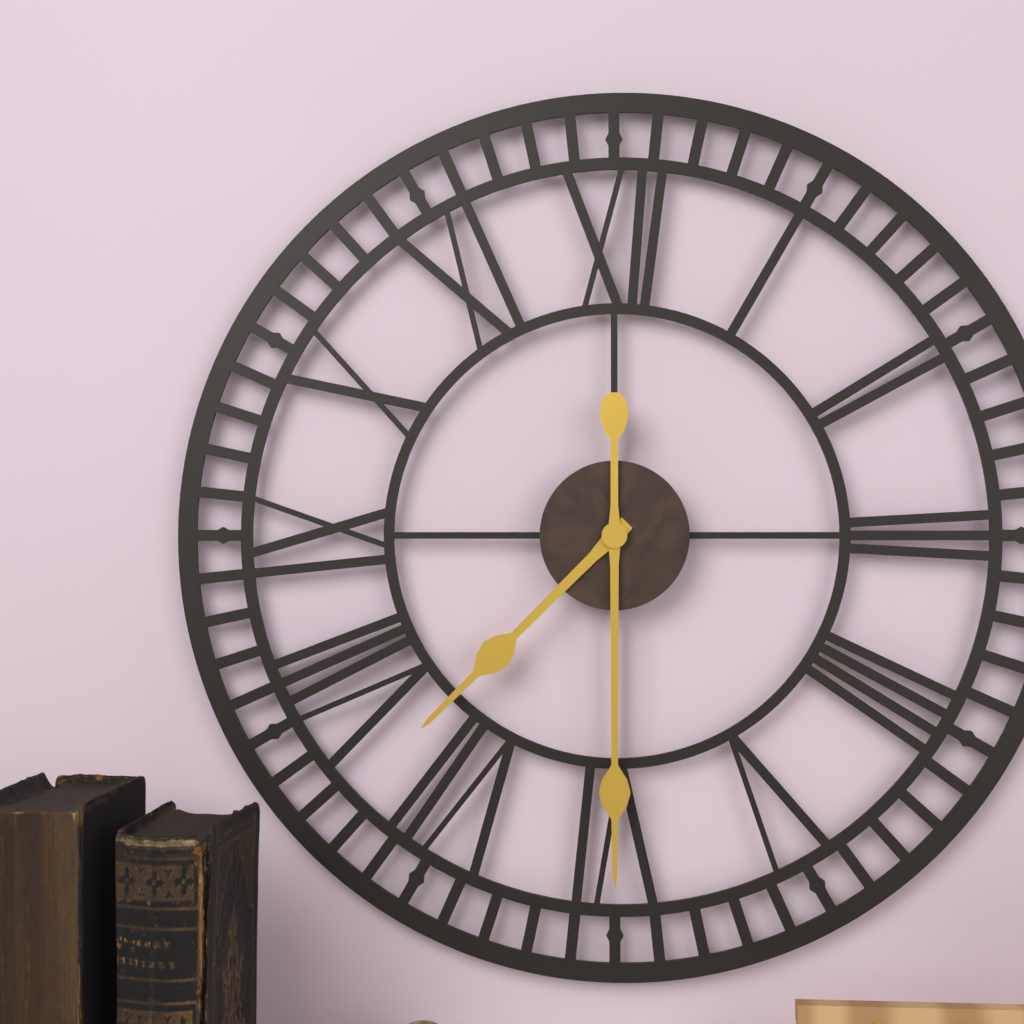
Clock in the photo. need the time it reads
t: 7:30
